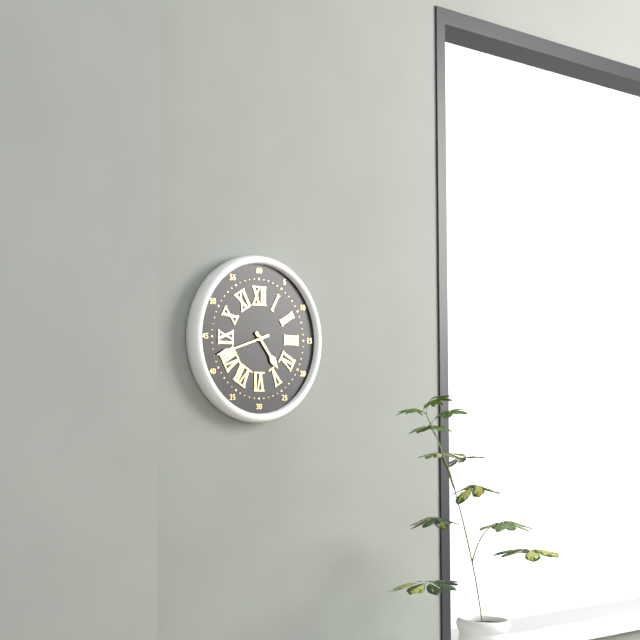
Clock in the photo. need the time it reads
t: 4:42
